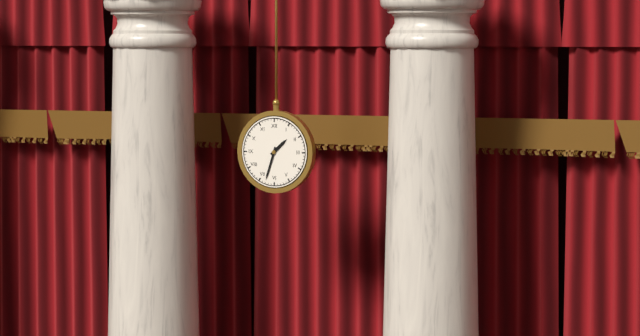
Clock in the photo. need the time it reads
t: 1:33
